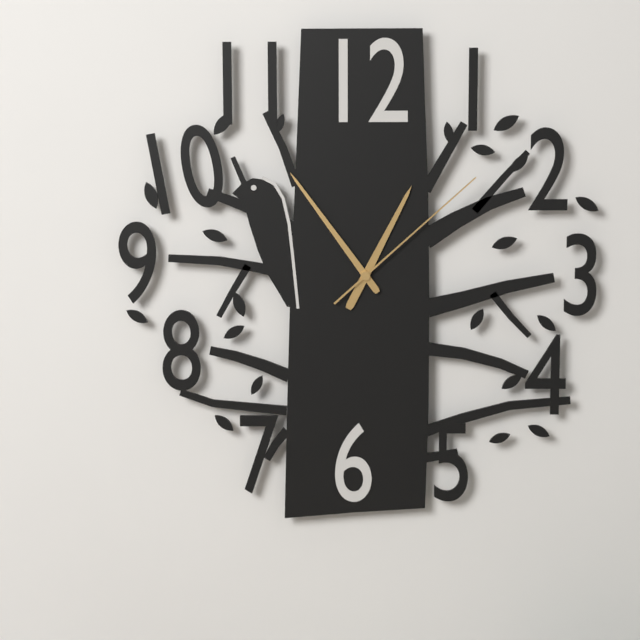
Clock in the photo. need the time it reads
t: 12:54:08
